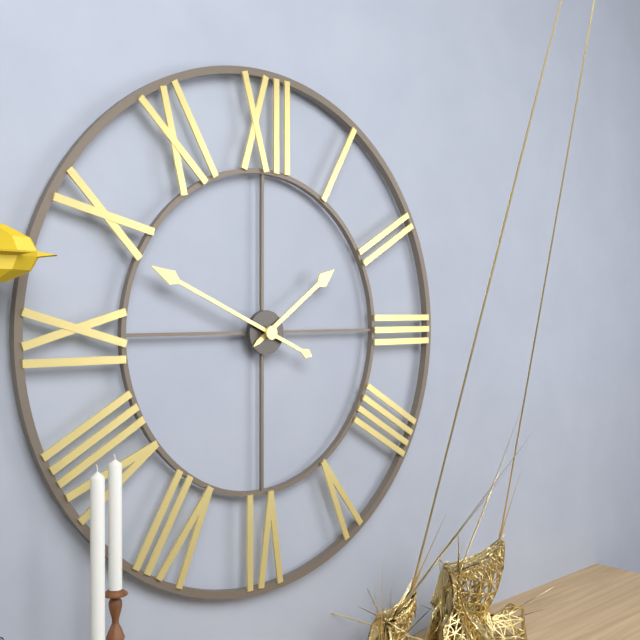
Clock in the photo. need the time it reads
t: 1:49
